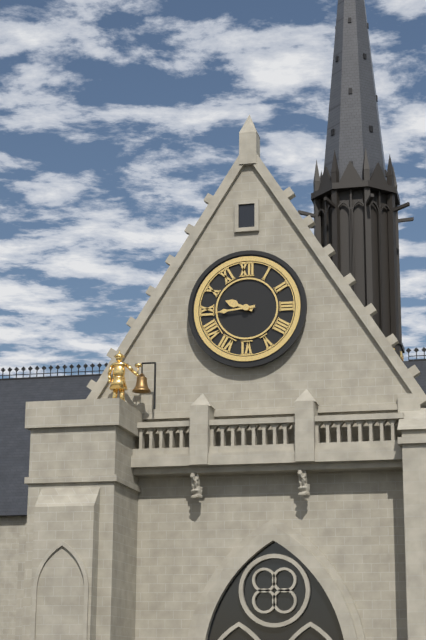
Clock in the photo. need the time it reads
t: 9:44
